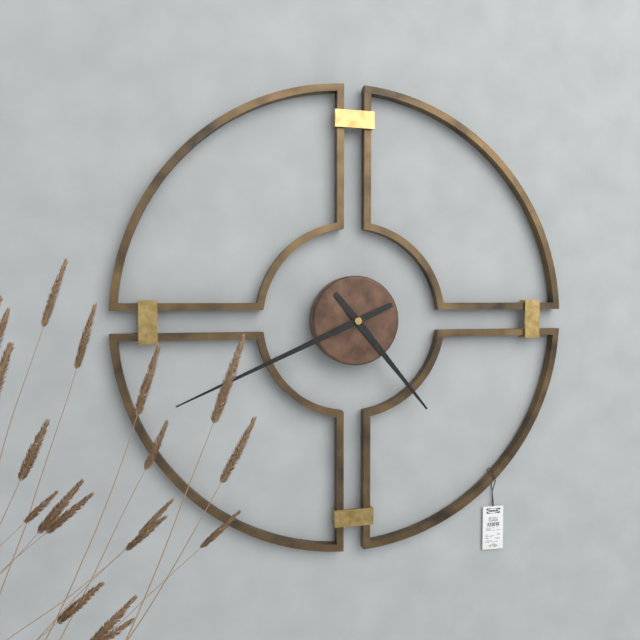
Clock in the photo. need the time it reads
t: 4:41
